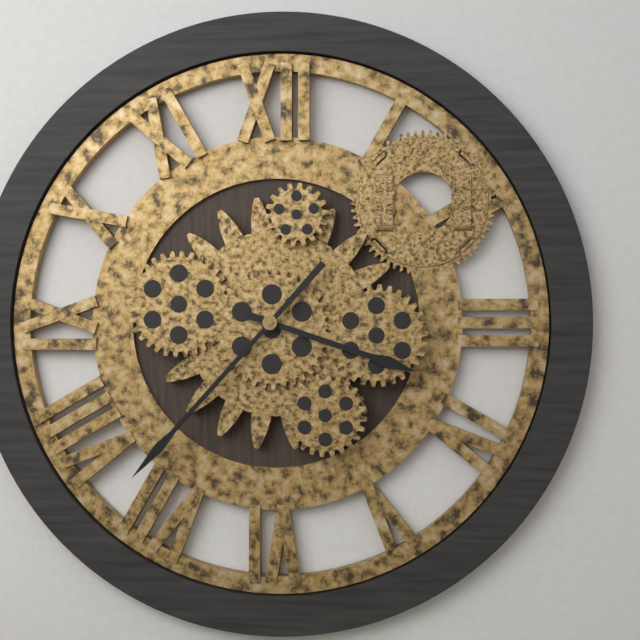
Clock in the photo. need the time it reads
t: 3:37
